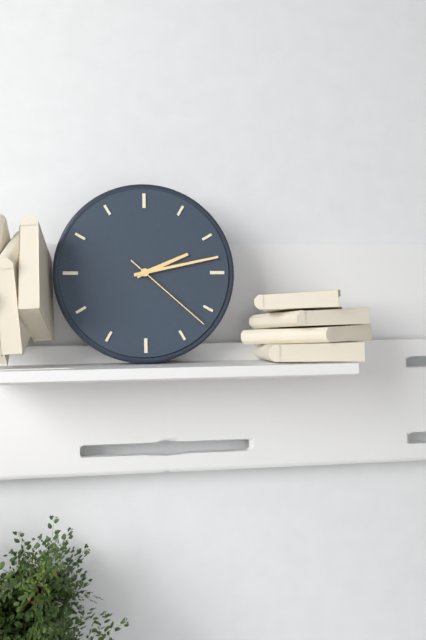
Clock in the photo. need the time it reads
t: 2:13:22
